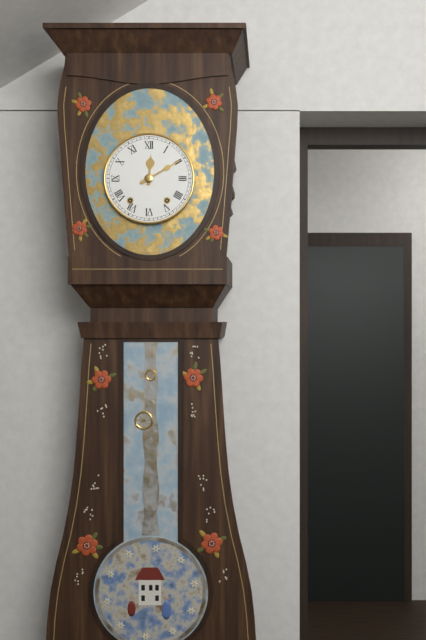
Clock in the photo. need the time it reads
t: 12:10
